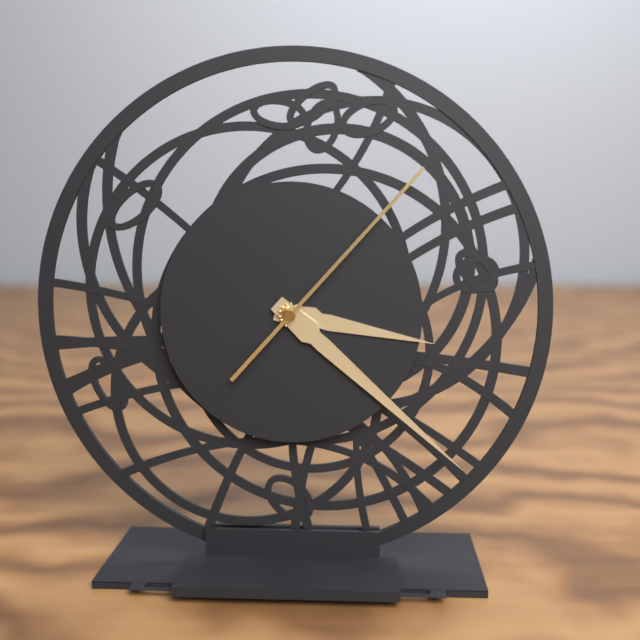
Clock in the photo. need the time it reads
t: 3:22:07
